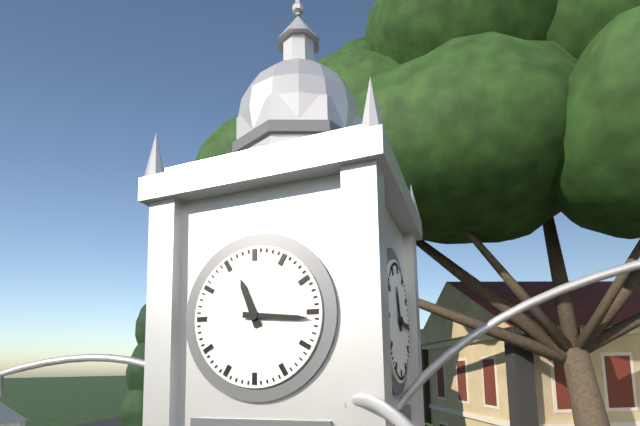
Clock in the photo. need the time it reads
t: 11:16
